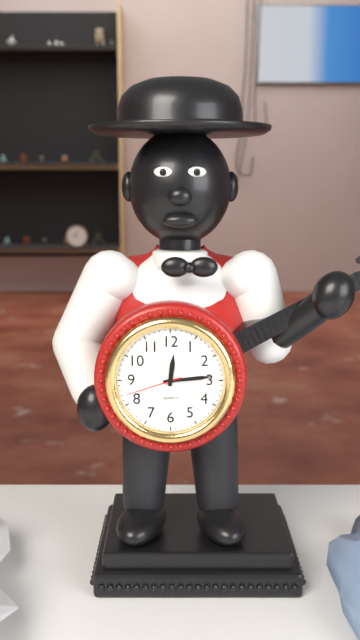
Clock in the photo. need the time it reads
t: 12:14:42
